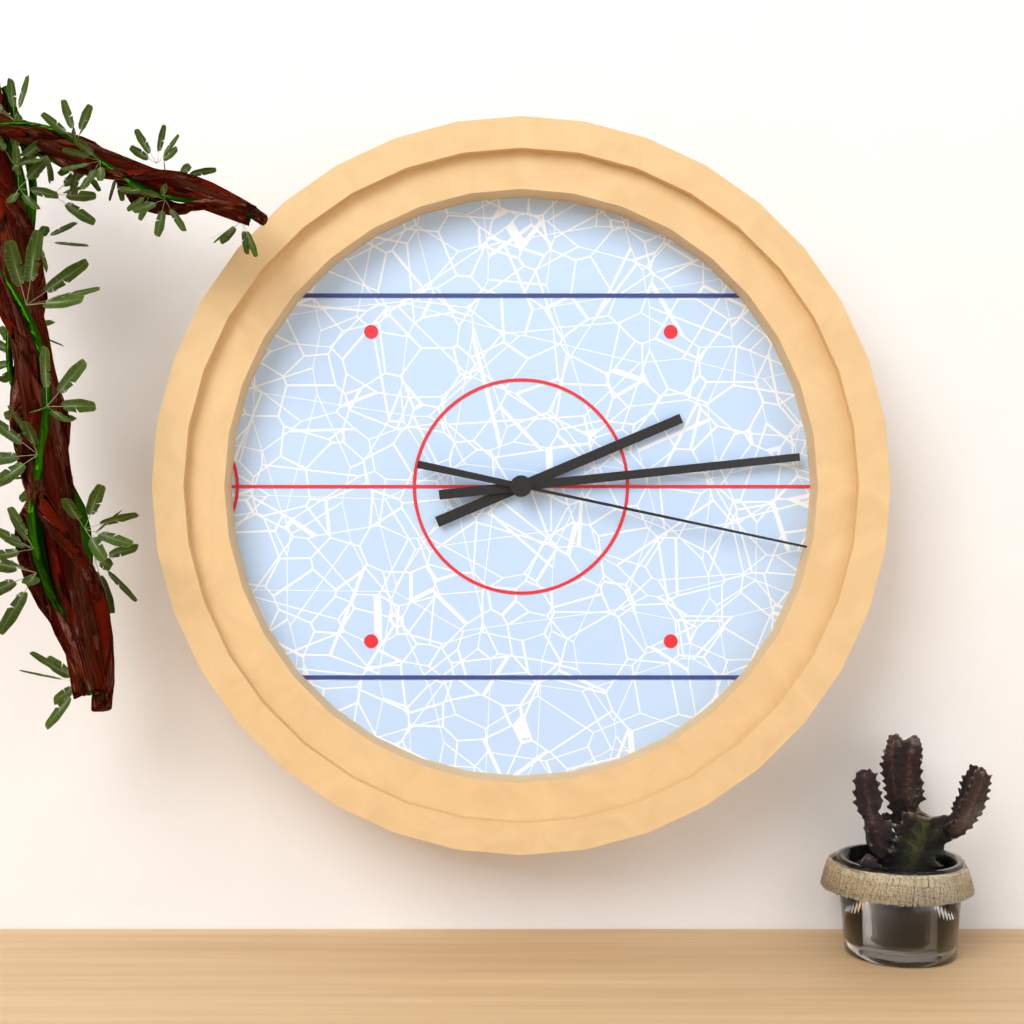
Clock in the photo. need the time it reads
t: 2:14:17
